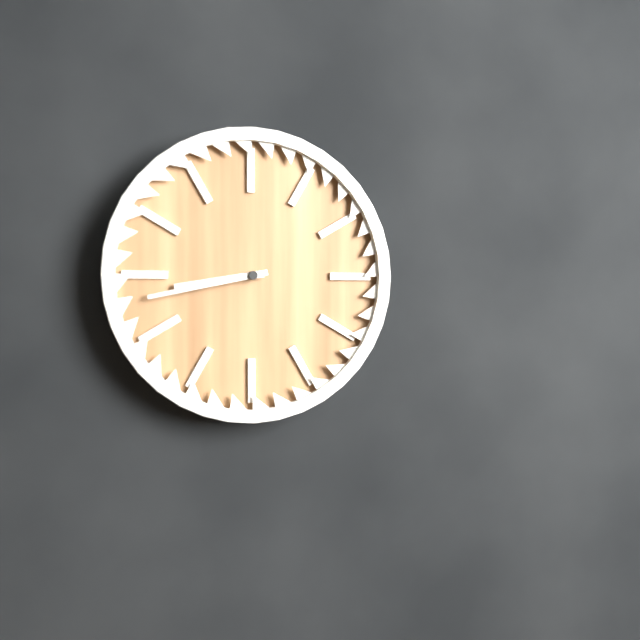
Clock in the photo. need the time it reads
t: 8:43
